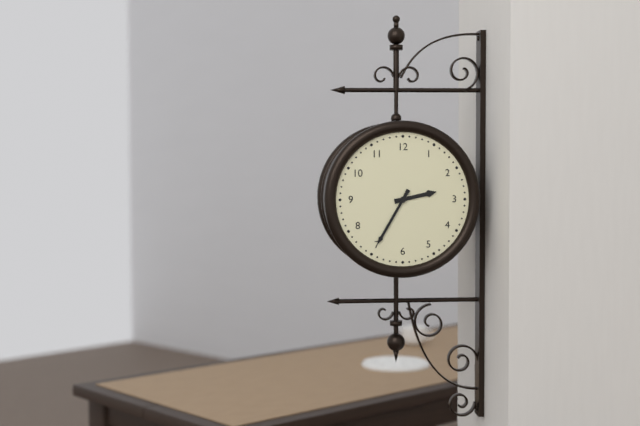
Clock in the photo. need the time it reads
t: 2:35
